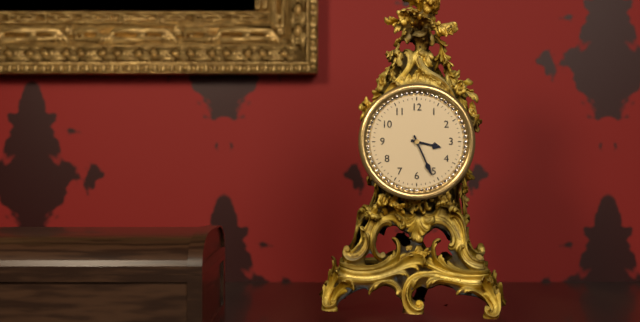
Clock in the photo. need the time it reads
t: 3:26
